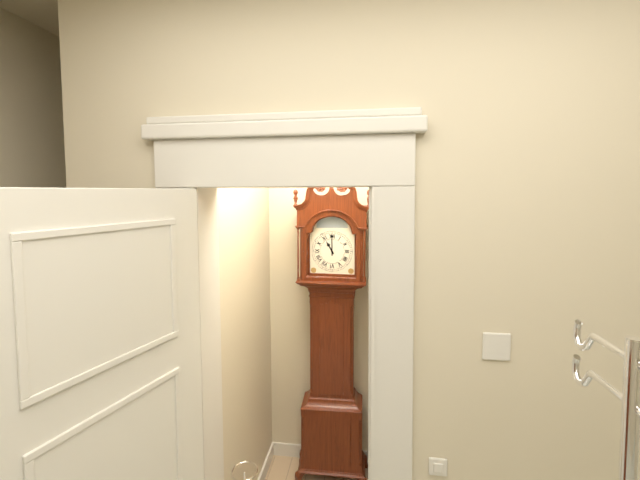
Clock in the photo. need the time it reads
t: 11:00
